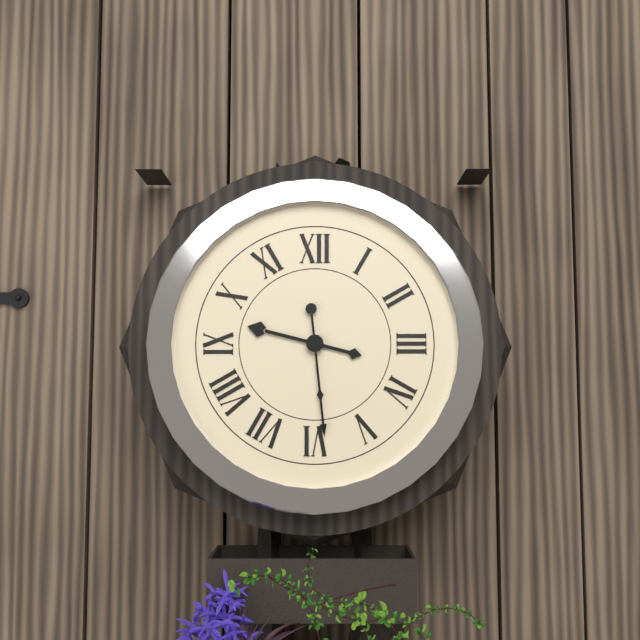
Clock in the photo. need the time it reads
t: 9:29
